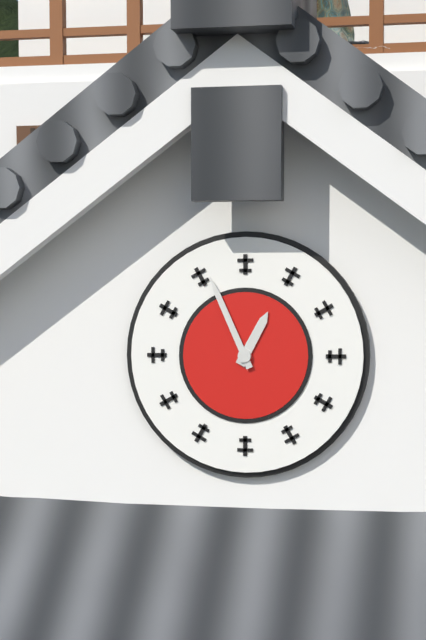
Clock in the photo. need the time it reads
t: 12:56
